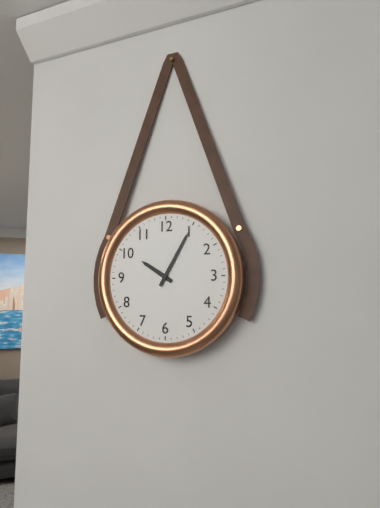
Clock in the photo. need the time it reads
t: 10:05
